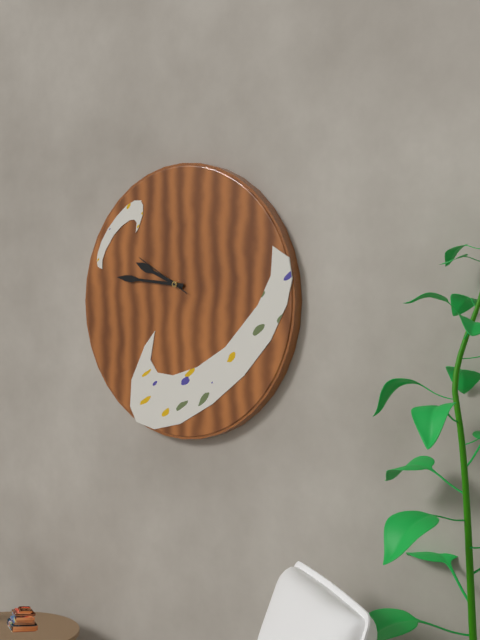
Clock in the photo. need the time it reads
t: 9:46:50
